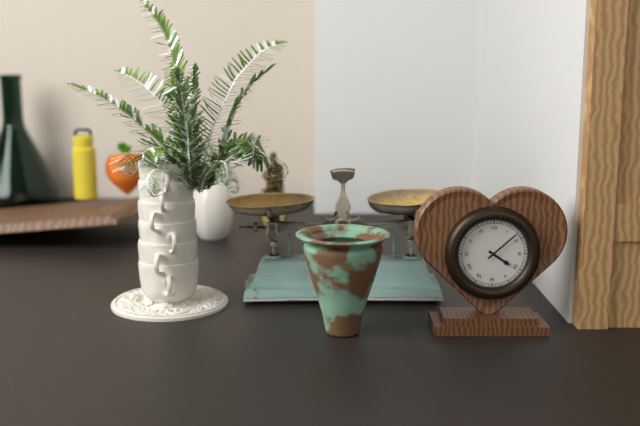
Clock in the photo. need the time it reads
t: 4:08
